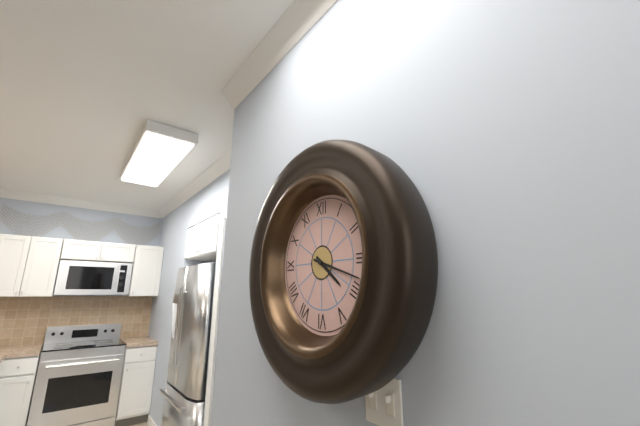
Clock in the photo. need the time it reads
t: 4:18
